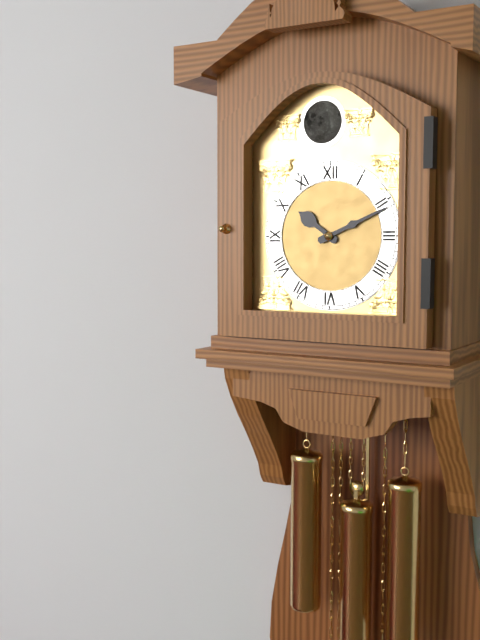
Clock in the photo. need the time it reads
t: 10:11
